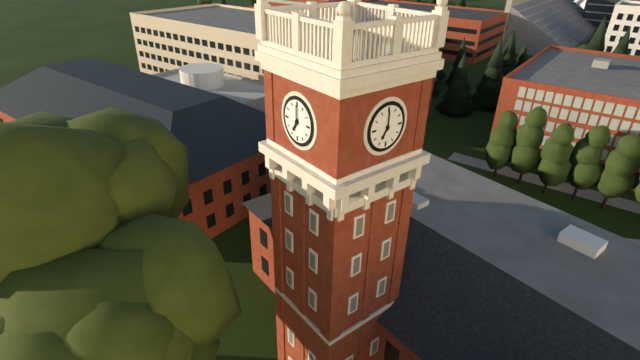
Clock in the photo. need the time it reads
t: 7:00
